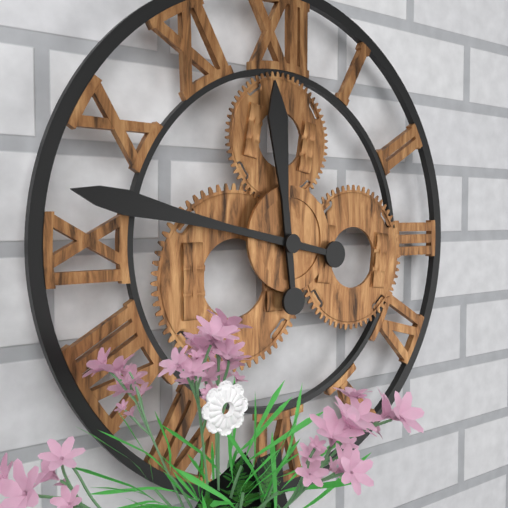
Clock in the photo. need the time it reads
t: 11:47
